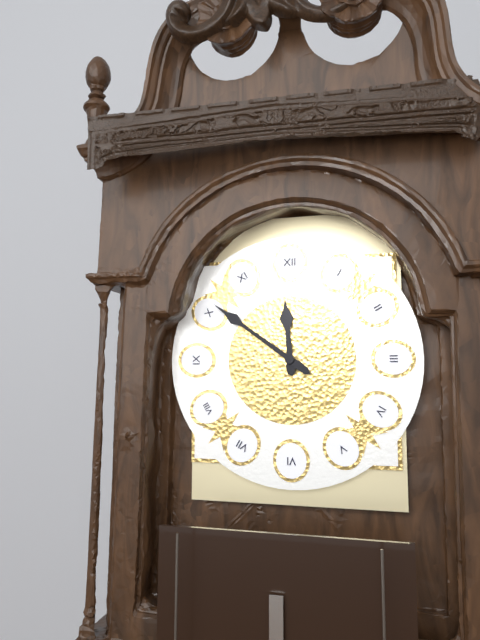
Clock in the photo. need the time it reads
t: 11:51
